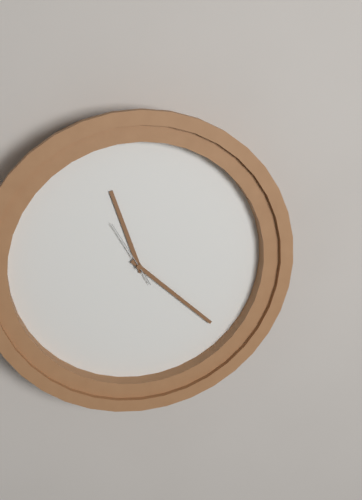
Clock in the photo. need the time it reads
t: 11:22:55
